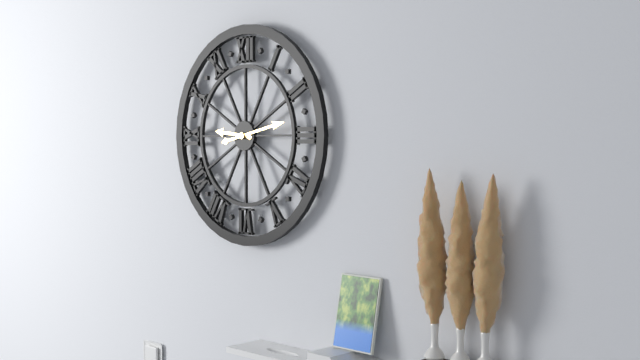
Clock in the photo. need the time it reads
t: 9:13
